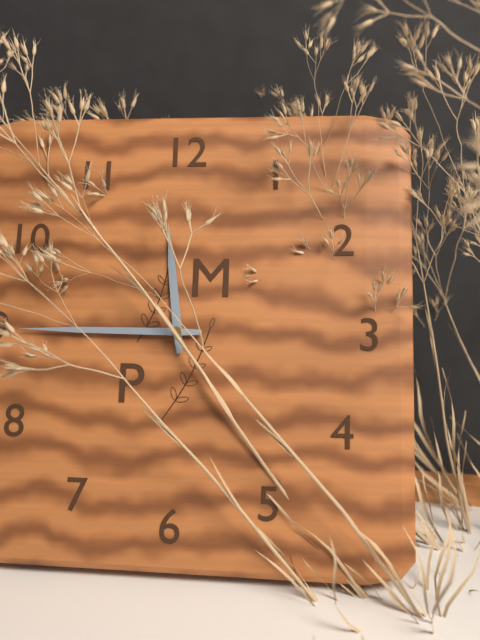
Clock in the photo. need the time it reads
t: 11:45
